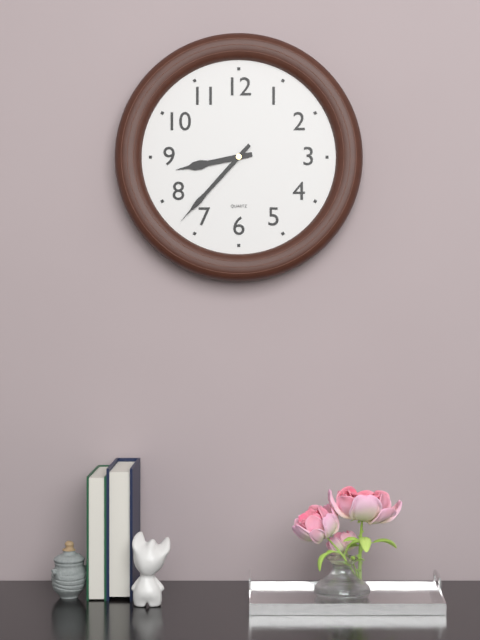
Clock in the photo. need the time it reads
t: 8:37
